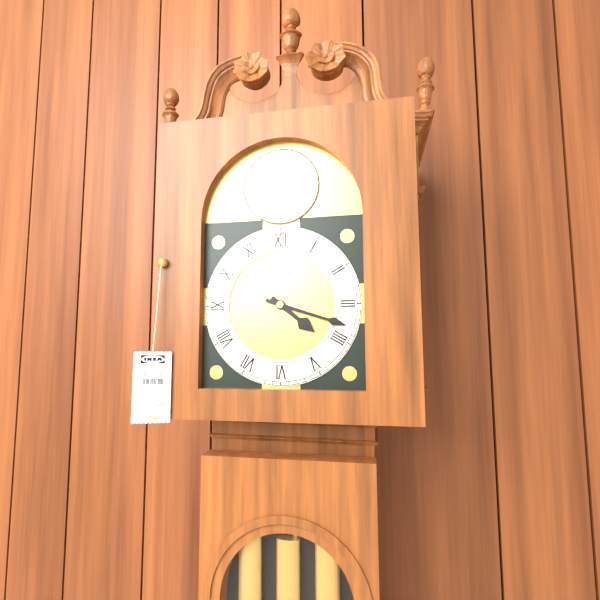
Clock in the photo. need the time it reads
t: 4:18
